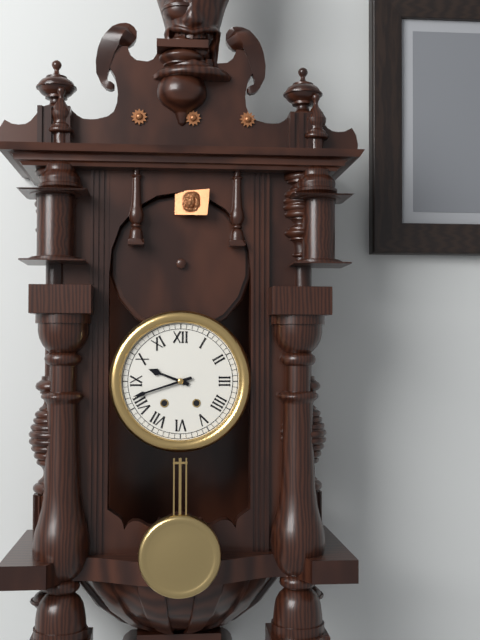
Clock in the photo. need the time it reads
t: 9:42
